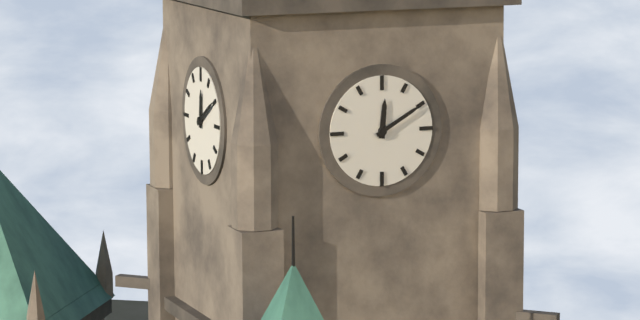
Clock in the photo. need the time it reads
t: 12:10
